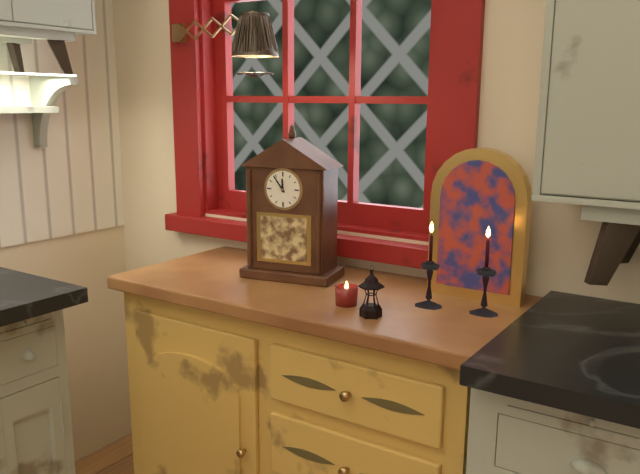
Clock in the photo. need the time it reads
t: 11:54
